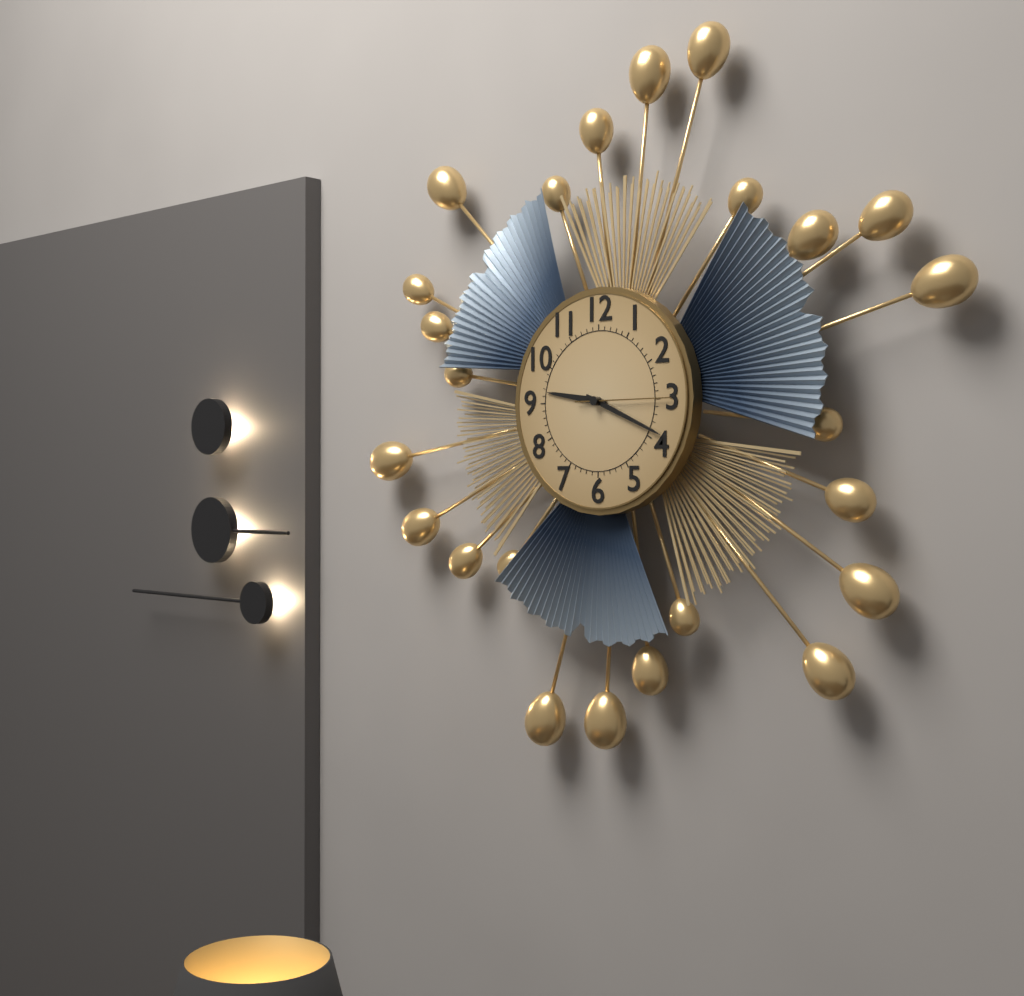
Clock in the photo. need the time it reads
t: 9:19:15
